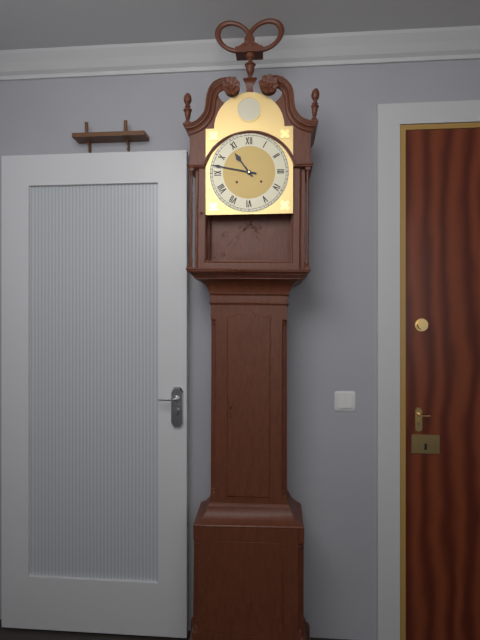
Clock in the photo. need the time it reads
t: 10:47
